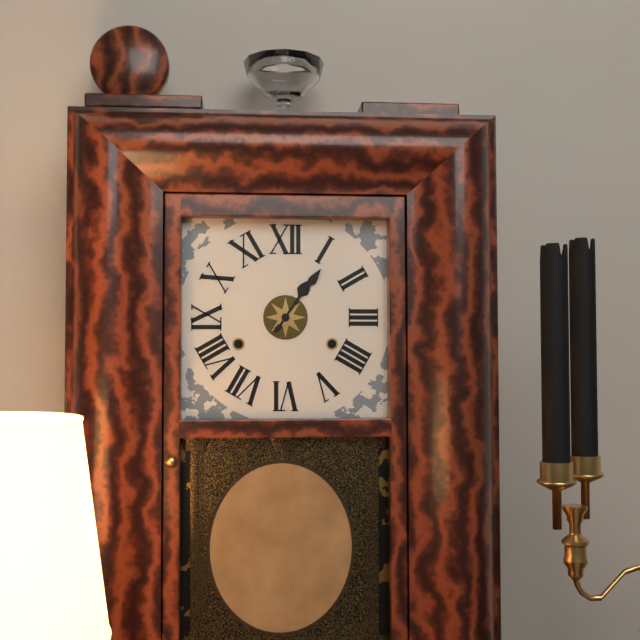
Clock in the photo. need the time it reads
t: 1:06
